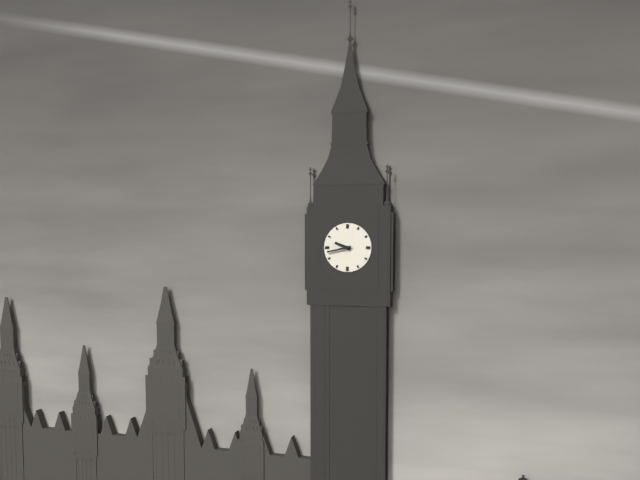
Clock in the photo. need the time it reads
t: 9:43
